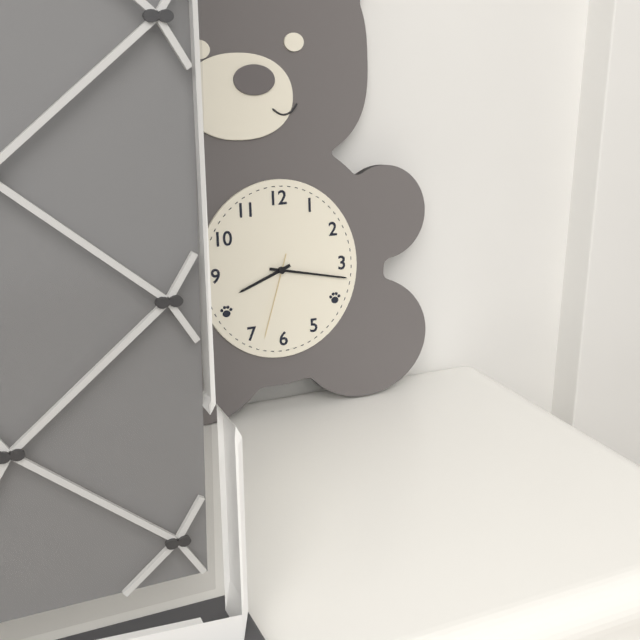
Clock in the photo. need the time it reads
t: 8:17:33
